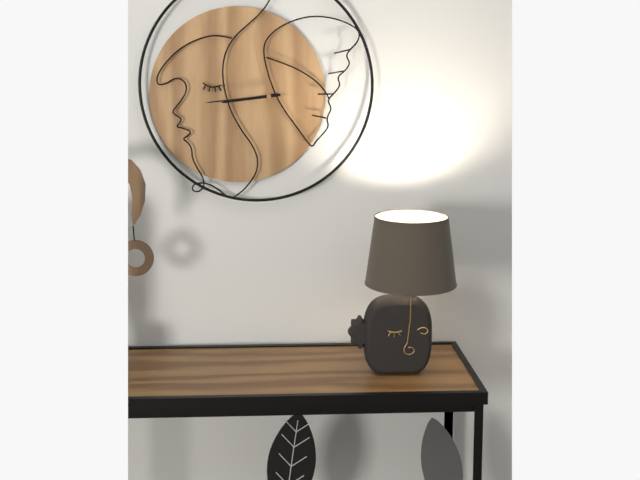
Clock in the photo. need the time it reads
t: 8:44
